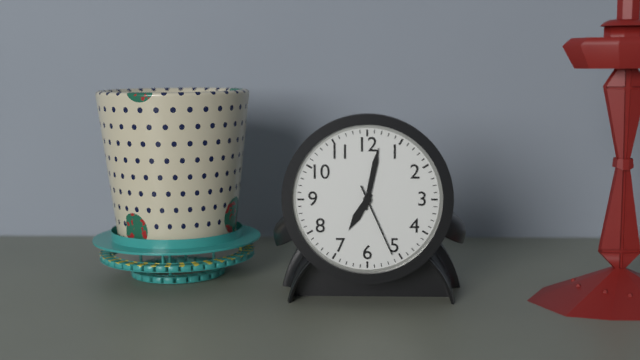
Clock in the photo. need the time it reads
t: 7:02:26
